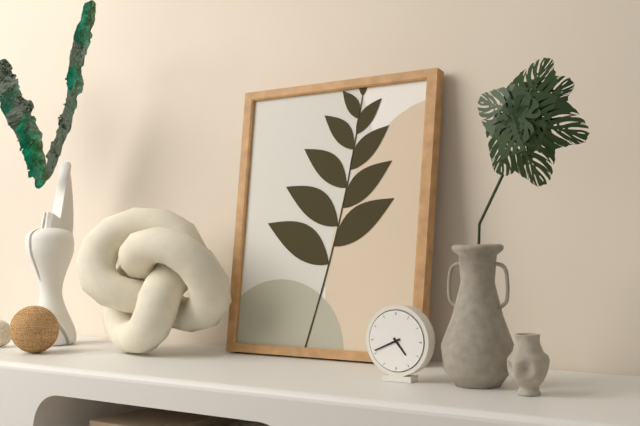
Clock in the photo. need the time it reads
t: 4:41
